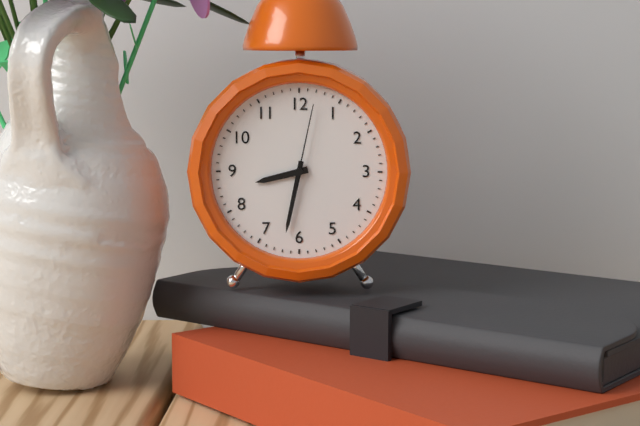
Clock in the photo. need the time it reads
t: 8:32:02
